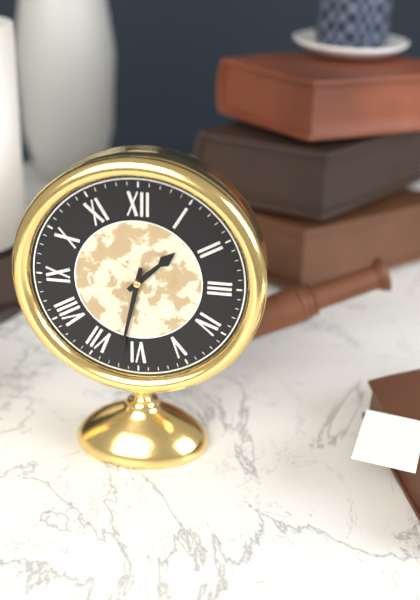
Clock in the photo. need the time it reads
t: 1:32
